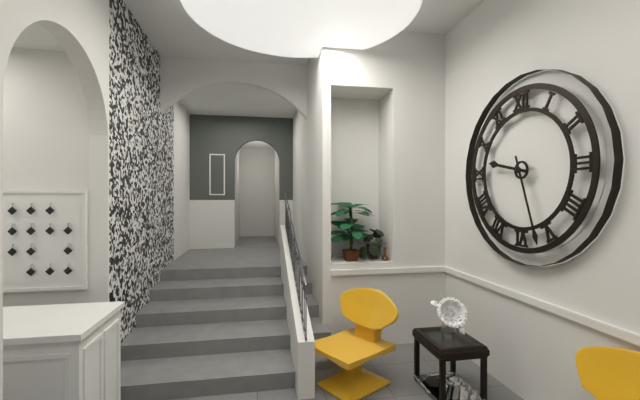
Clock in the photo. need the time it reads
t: 9:27
